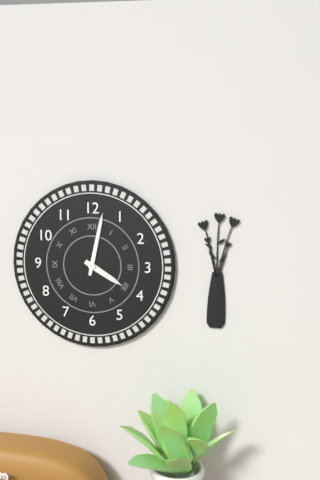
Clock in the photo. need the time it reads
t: 4:02
